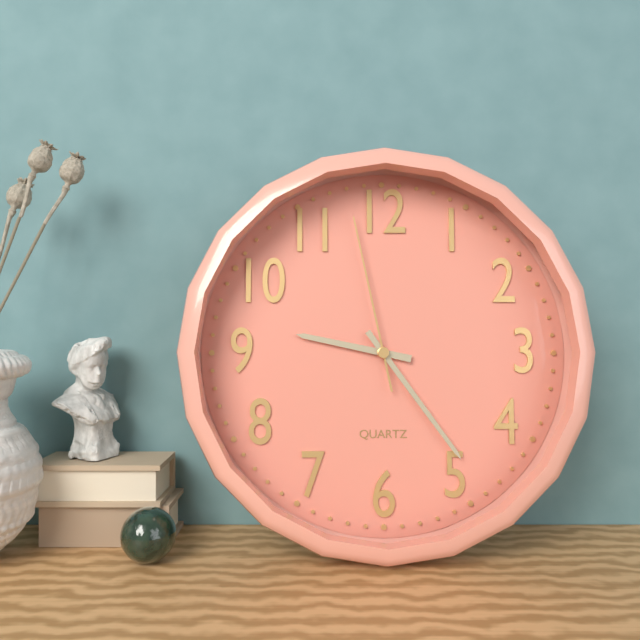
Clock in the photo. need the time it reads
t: 9:24:58
